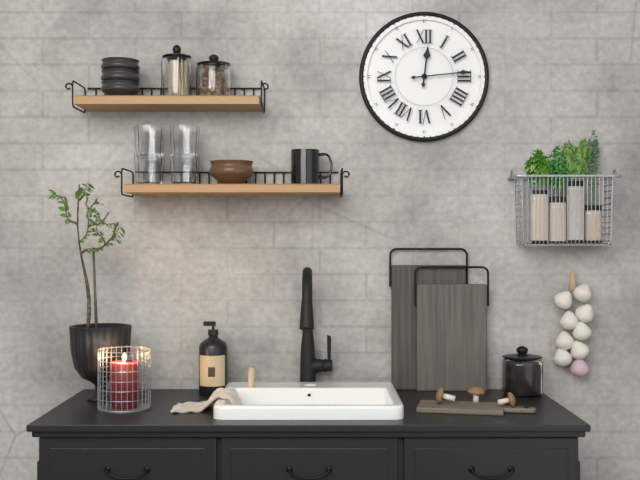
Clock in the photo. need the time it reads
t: 12:14
